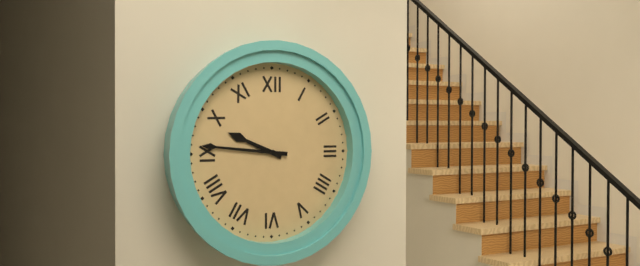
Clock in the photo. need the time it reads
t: 9:46
